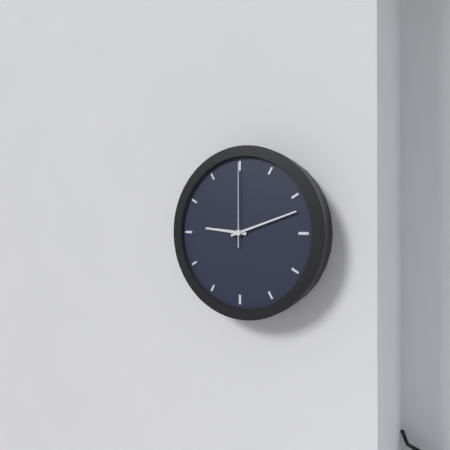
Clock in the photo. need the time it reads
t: 9:12:00
